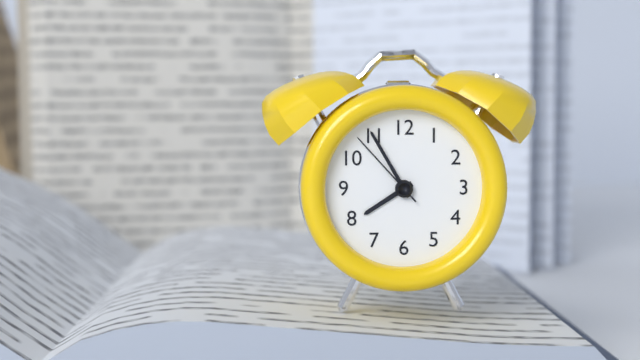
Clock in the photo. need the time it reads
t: 7:55:53
